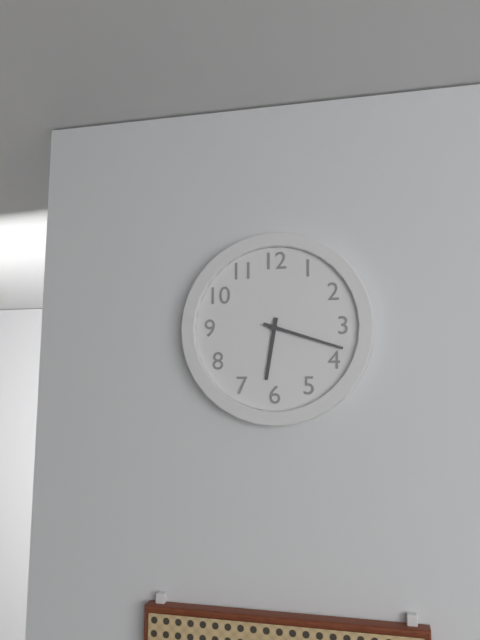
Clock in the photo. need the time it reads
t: 6:18
